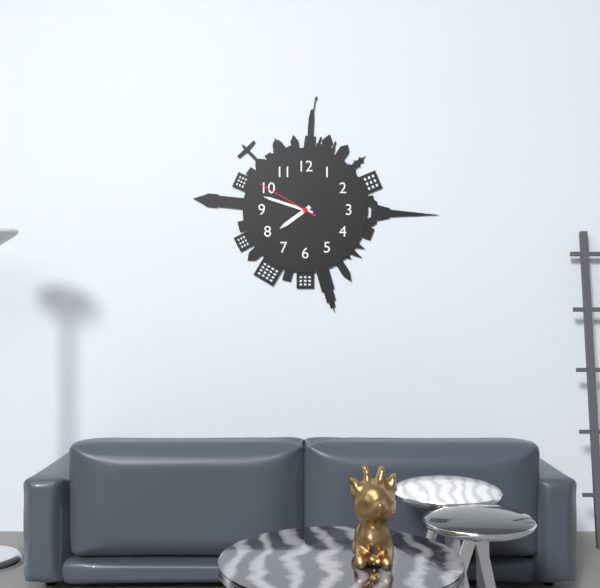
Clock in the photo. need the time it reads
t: 7:48:50
